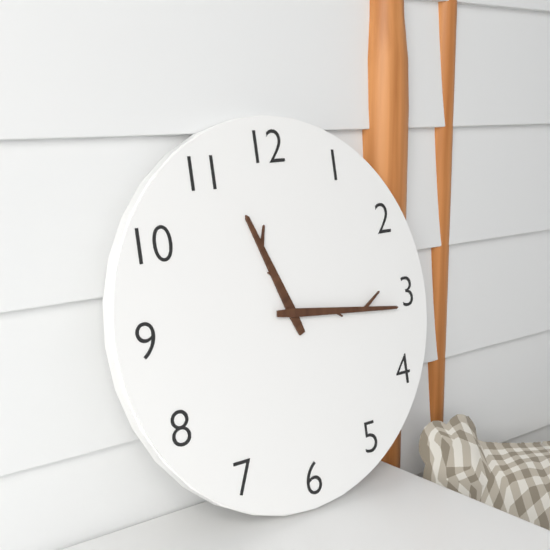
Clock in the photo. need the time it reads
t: 11:16
